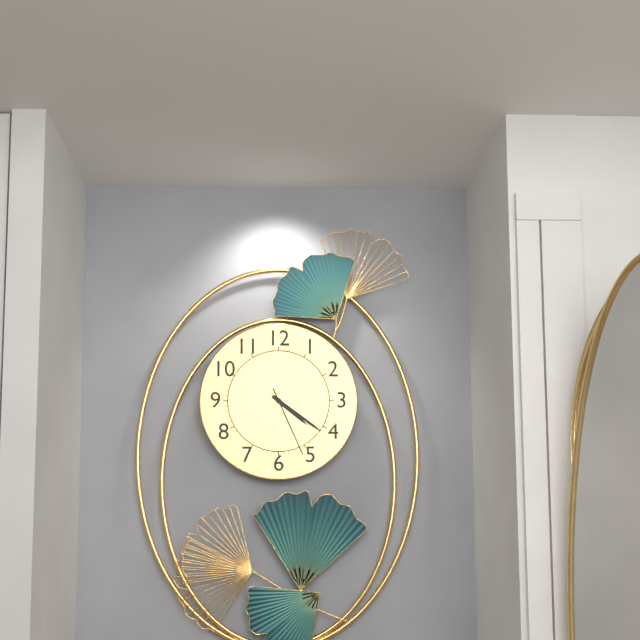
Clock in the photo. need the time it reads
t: 4:21:26
